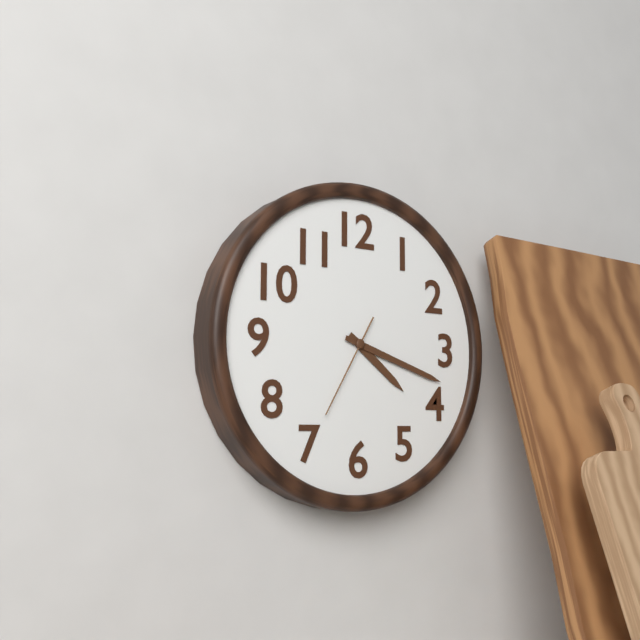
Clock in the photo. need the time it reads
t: 4:18:35
